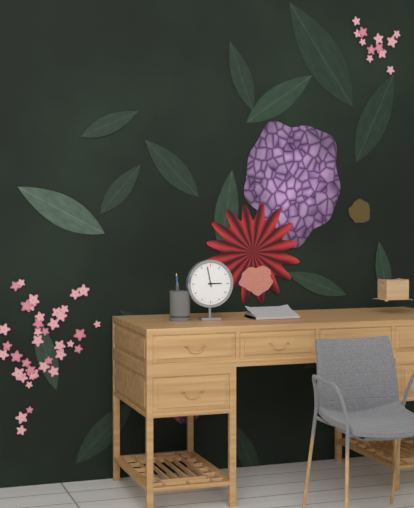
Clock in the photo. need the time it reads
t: 2:58
